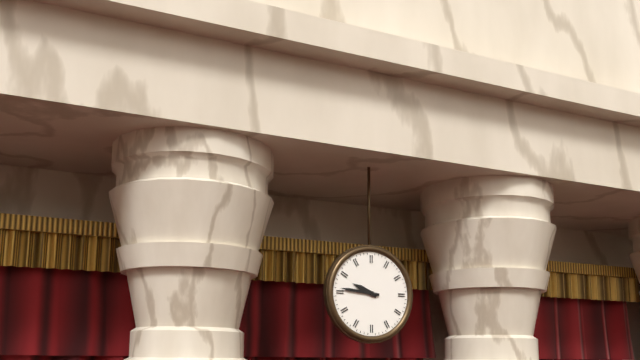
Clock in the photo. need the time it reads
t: 9:46
